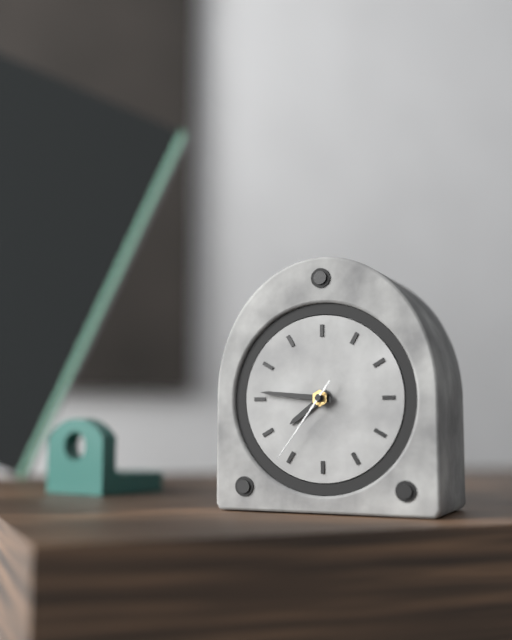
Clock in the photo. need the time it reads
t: 7:46:36
